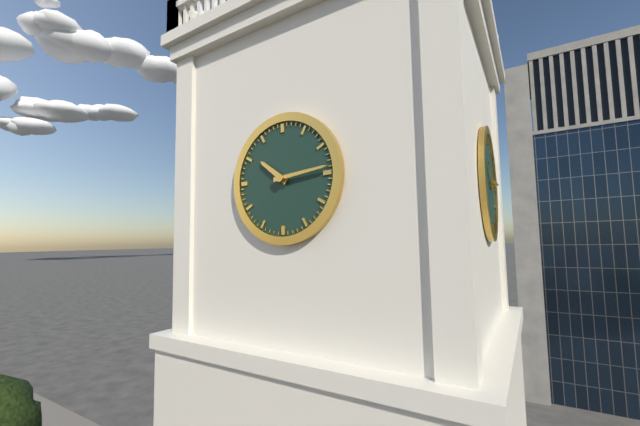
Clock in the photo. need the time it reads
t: 10:14
